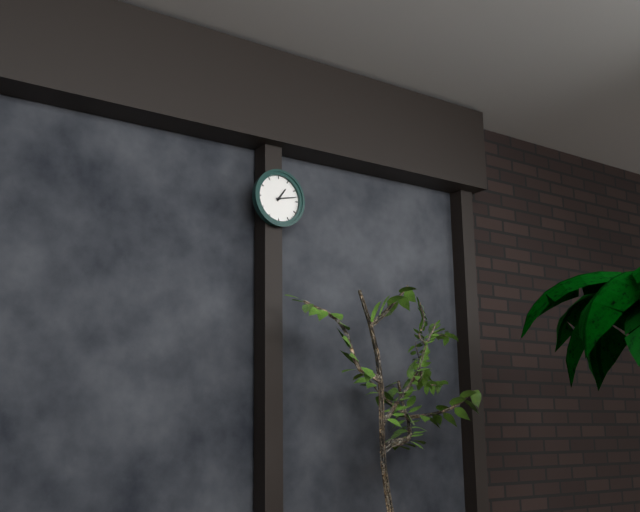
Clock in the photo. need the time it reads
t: 1:13
